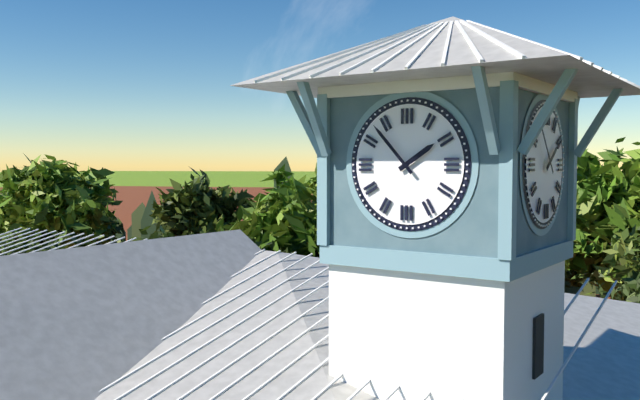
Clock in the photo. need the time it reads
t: 1:53
